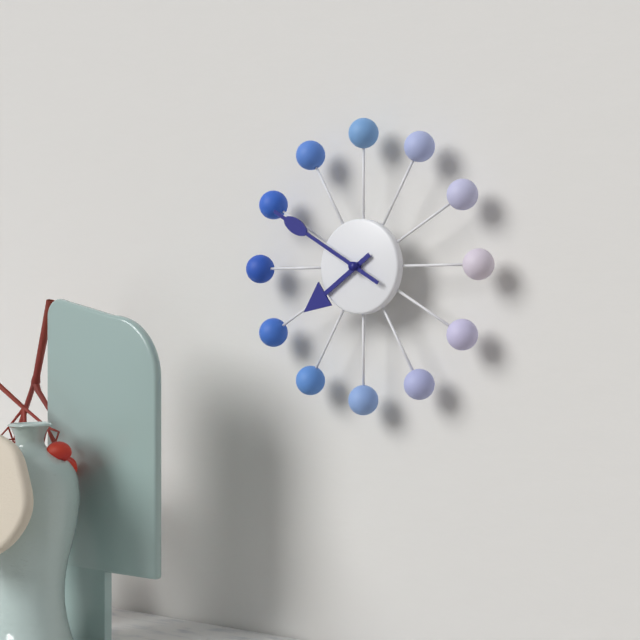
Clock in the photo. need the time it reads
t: 7:50
